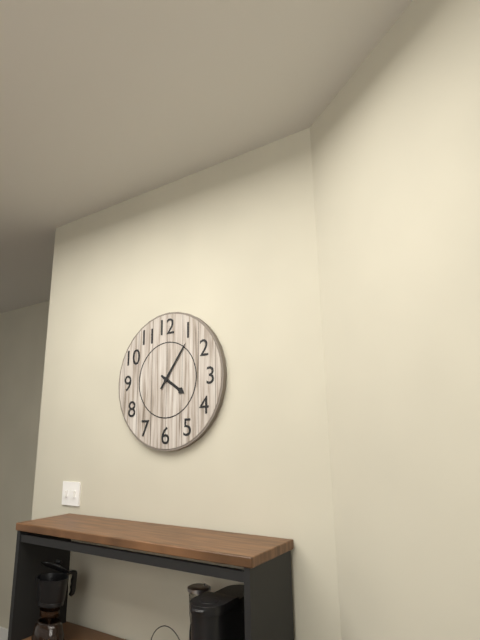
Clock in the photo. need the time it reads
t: 4:06
